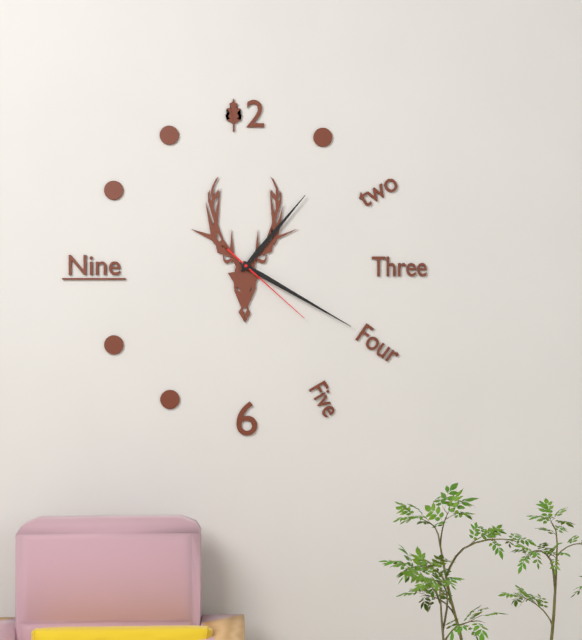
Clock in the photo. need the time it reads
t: 1:20:22
